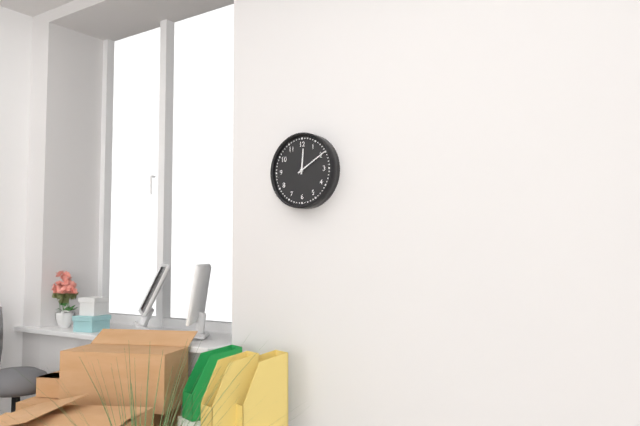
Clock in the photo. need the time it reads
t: 12:10
